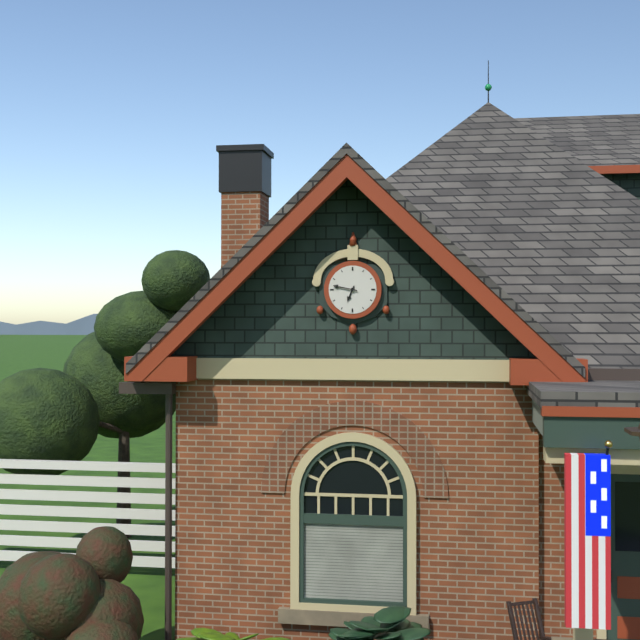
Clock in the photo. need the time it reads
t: 6:47
